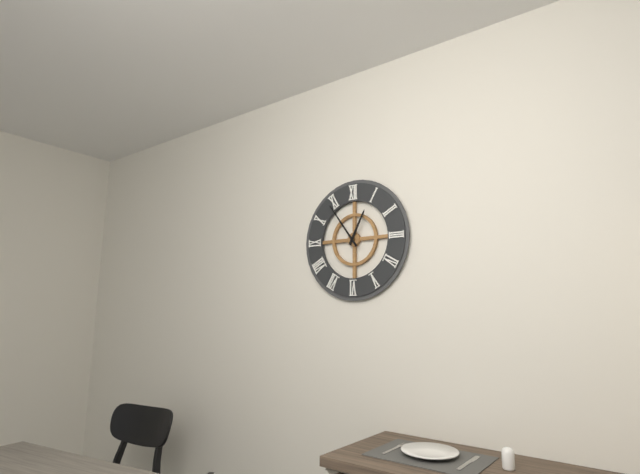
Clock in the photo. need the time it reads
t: 12:54
